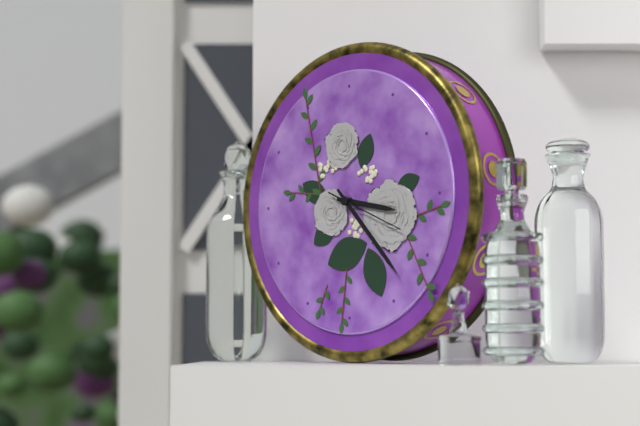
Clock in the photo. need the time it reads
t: 3:23:19
